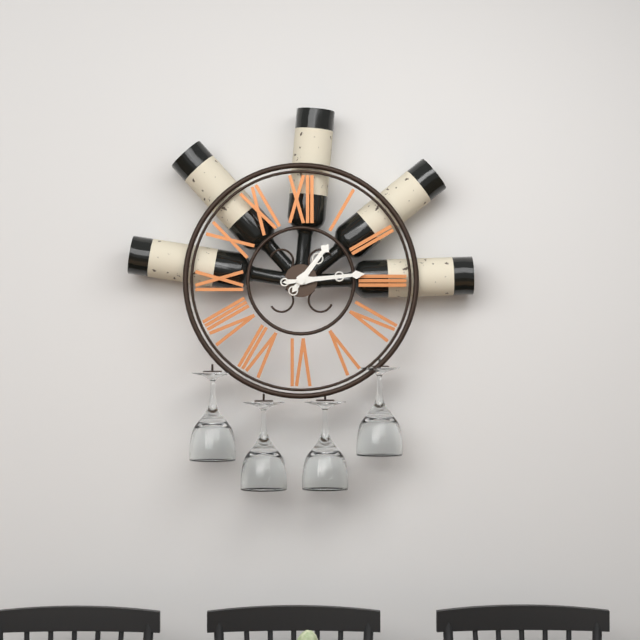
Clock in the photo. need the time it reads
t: 1:14
